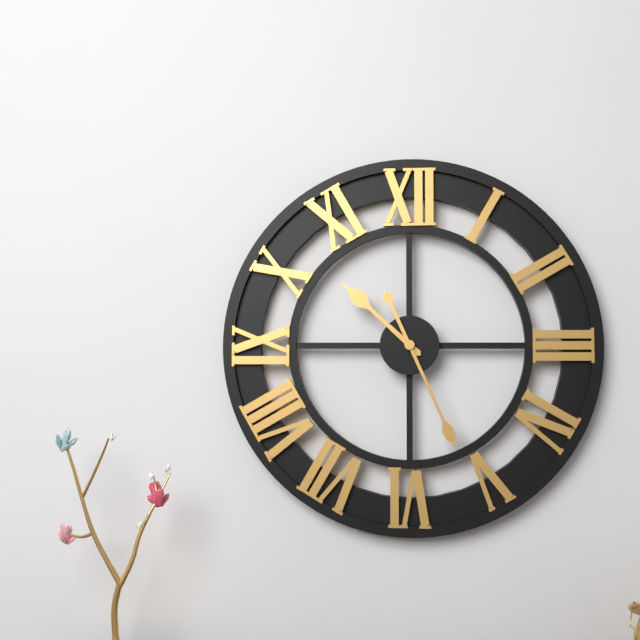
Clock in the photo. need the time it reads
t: 10:26
